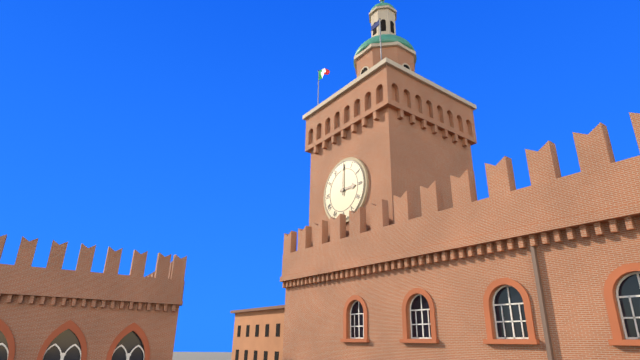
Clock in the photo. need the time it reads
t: 3:00
